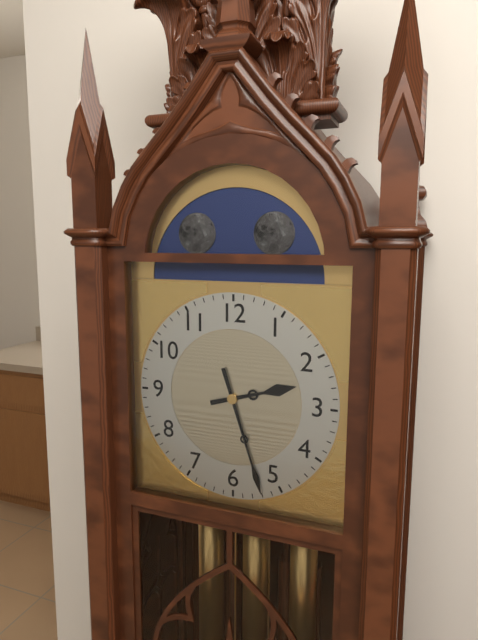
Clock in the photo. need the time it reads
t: 2:27
